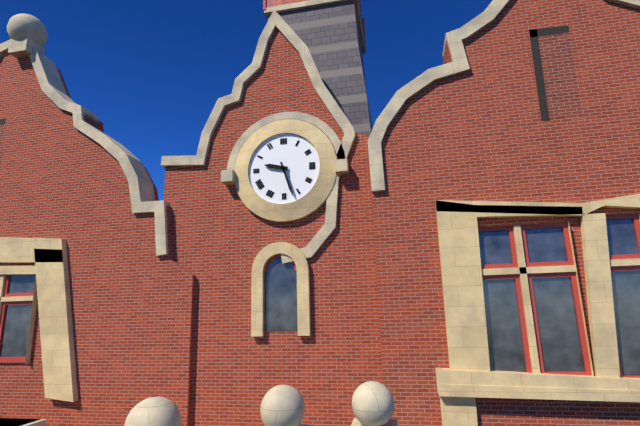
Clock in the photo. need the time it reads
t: 9:27
